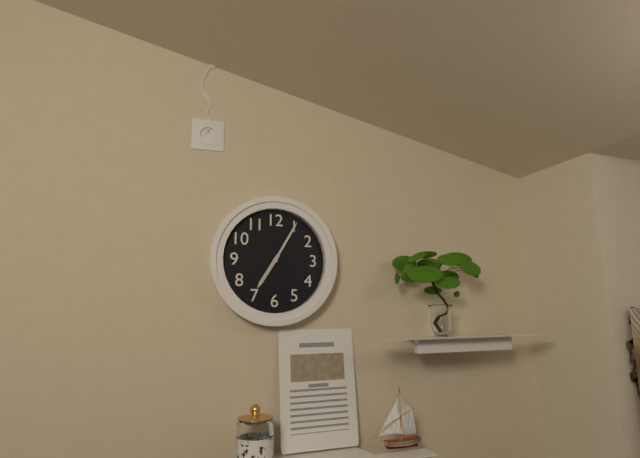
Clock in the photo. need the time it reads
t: 7:05
